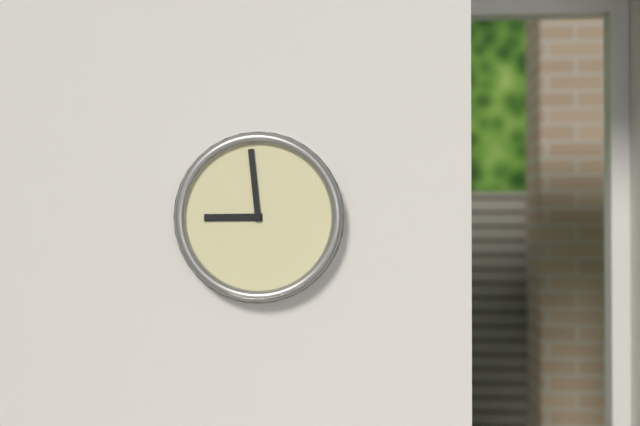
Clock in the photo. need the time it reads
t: 8:59
